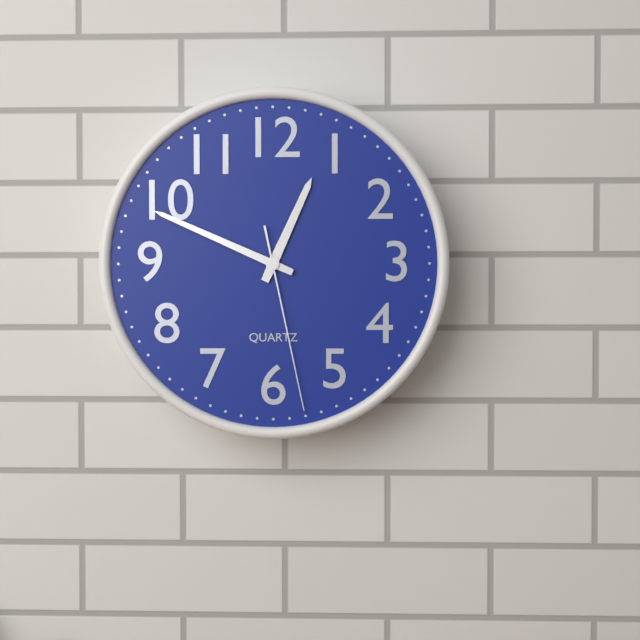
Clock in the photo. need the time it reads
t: 12:49:28
